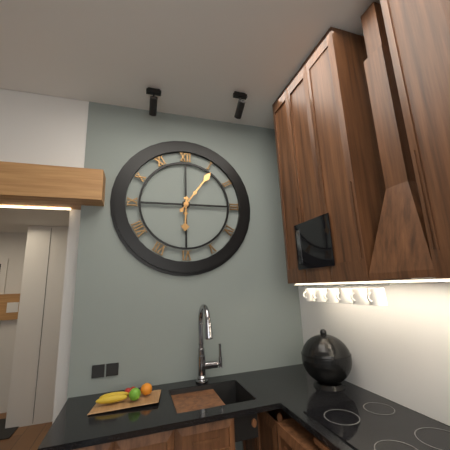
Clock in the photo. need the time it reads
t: 6:06
